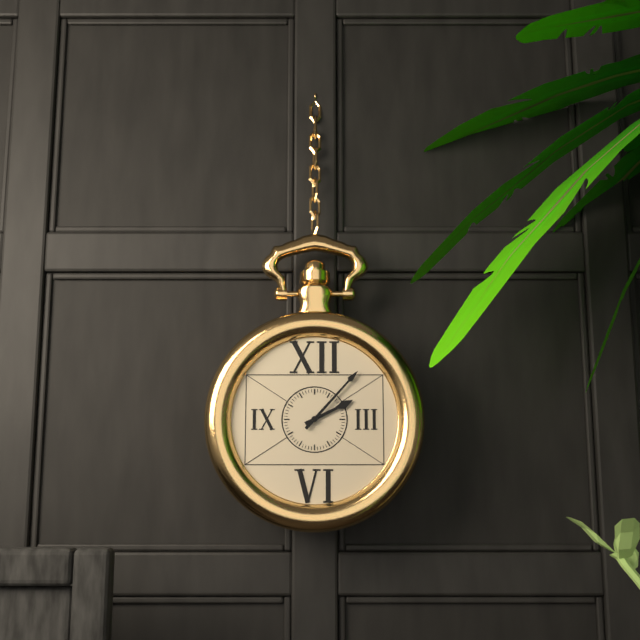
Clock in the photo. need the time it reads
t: 2:07
